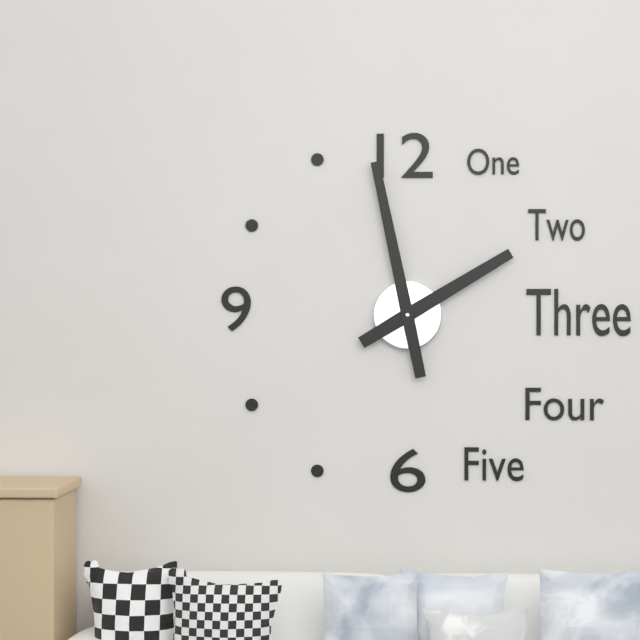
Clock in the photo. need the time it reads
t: 1:58
